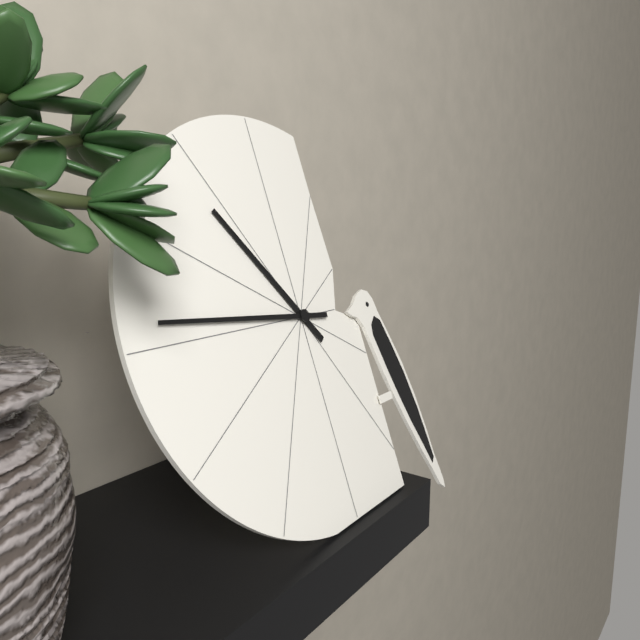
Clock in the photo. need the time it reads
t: 10:46
